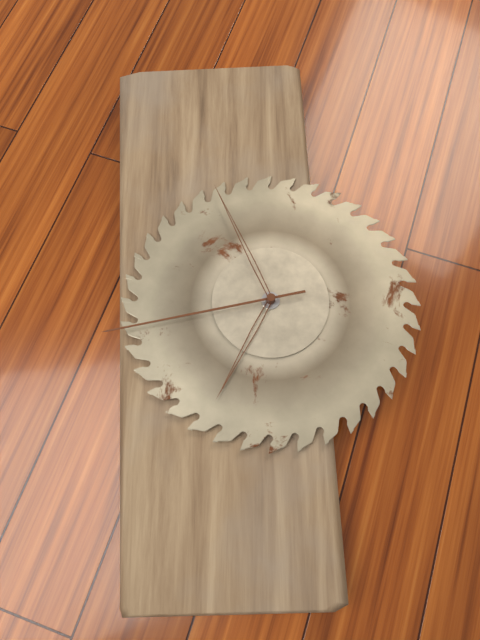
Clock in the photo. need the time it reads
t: 6:56:43
